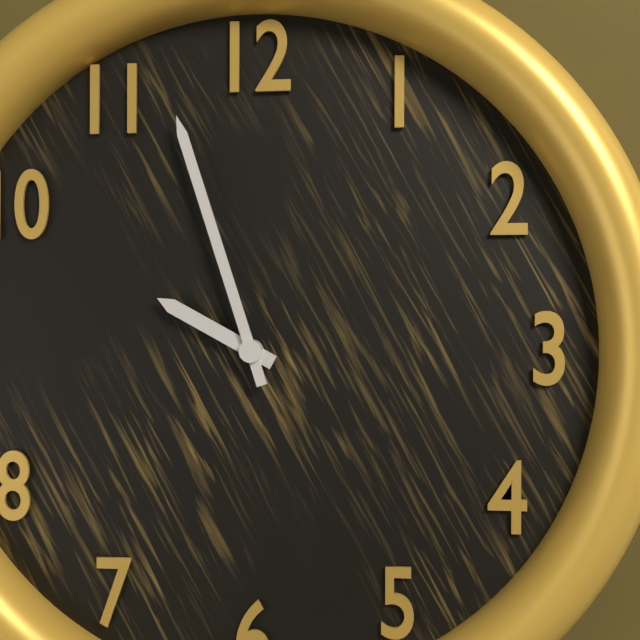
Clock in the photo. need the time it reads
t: 9:57
